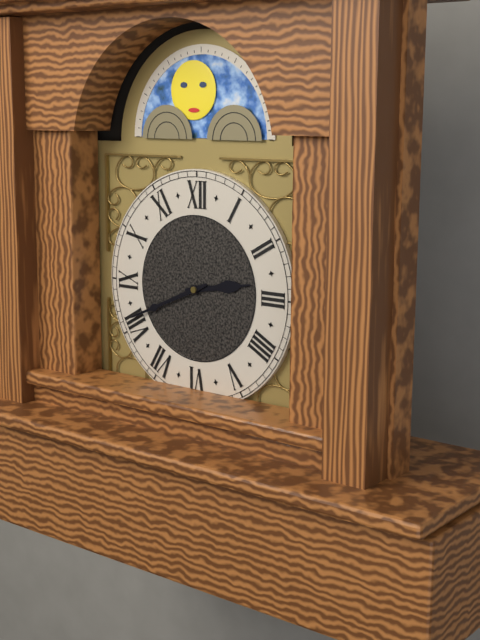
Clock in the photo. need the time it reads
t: 2:41
